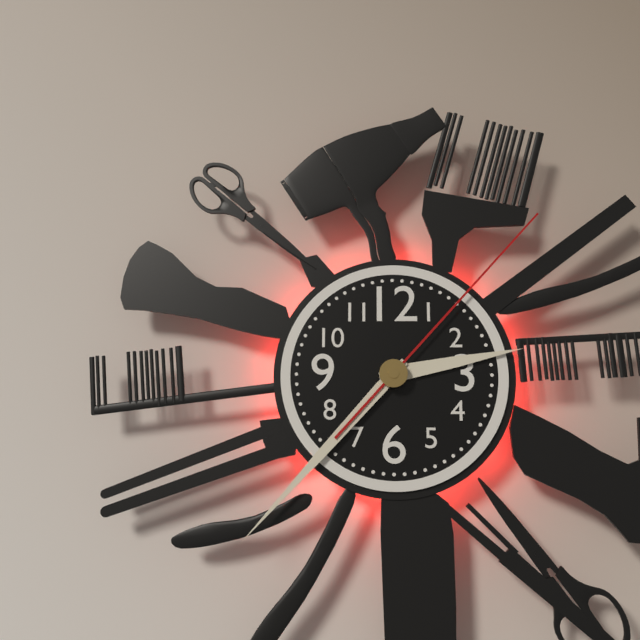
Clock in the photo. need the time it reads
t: 2:37:07
